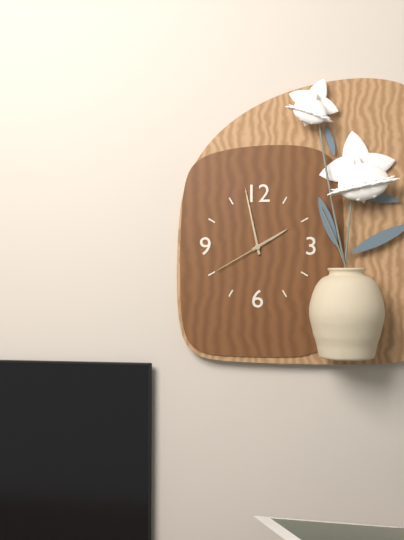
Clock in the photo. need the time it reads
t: 1:58:40
